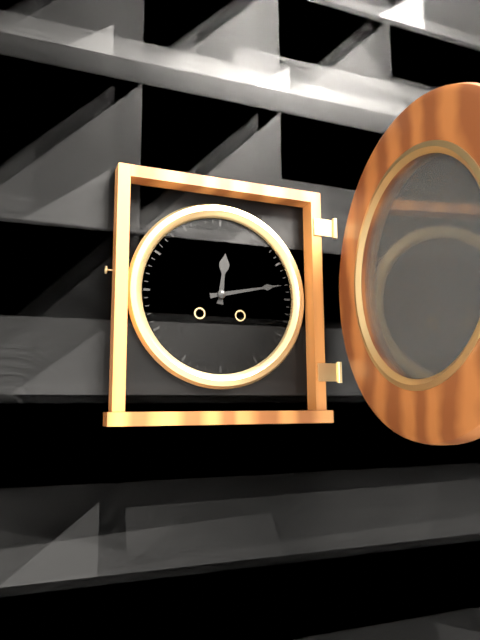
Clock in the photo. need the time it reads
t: 12:13
